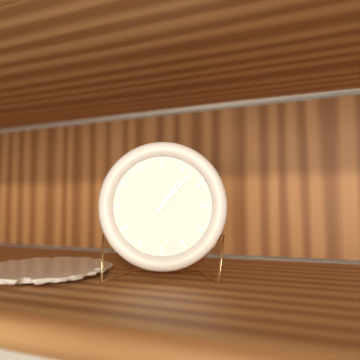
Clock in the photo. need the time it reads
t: 1:07
